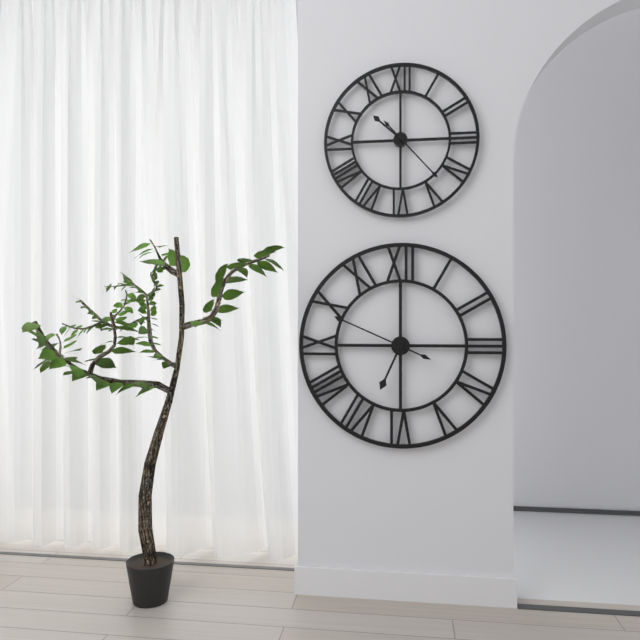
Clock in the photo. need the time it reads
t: 6:49
